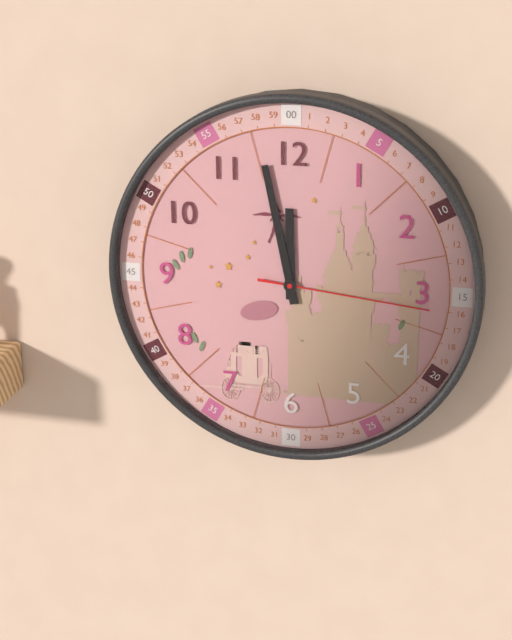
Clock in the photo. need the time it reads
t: 11:58:16
